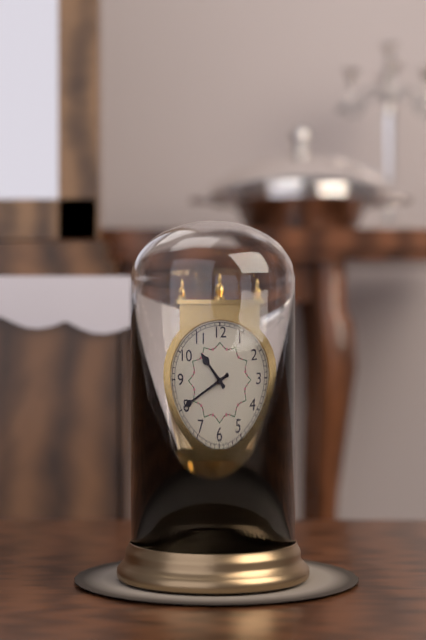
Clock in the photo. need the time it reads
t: 10:40
